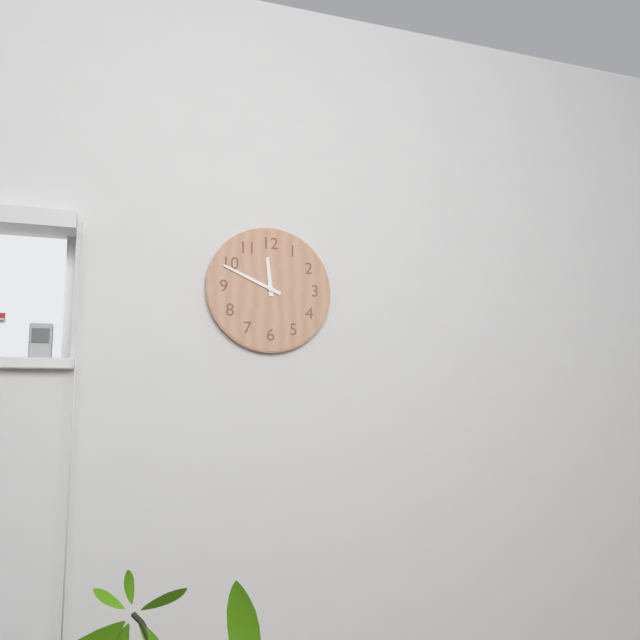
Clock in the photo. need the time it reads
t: 11:49
